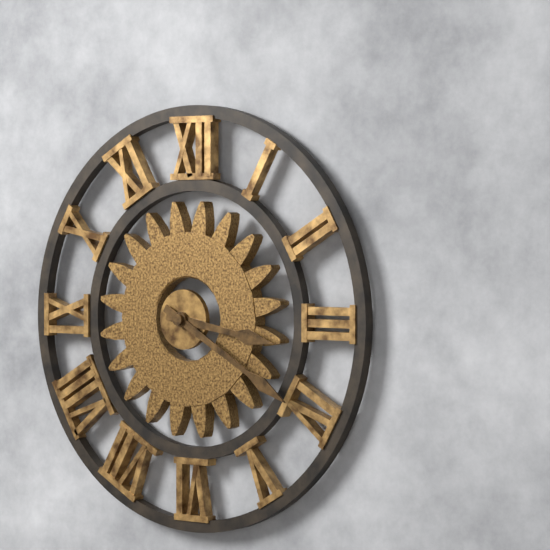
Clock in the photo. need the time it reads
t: 3:20
